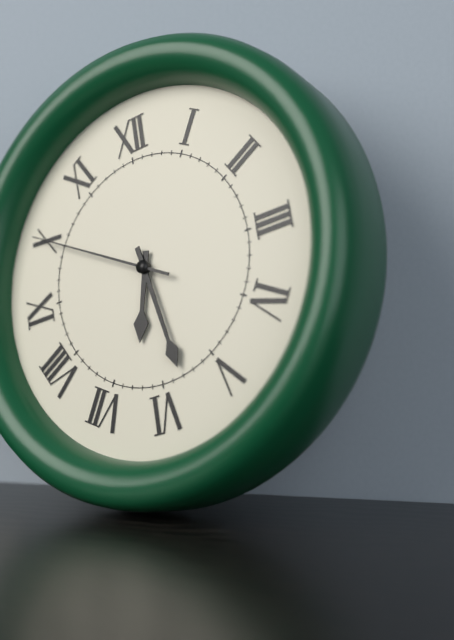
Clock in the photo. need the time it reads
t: 6:28:50
